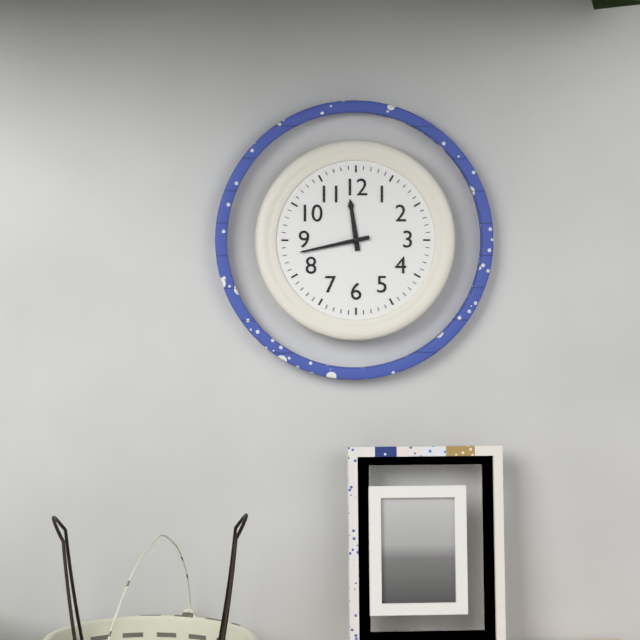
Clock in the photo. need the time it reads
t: 11:43
